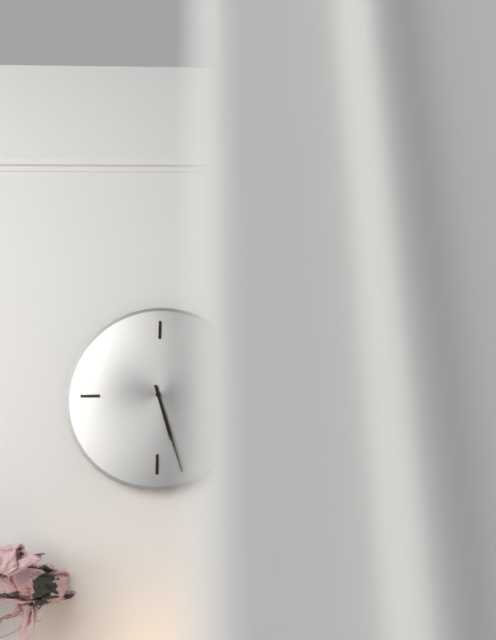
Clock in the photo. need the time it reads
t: 5:27
